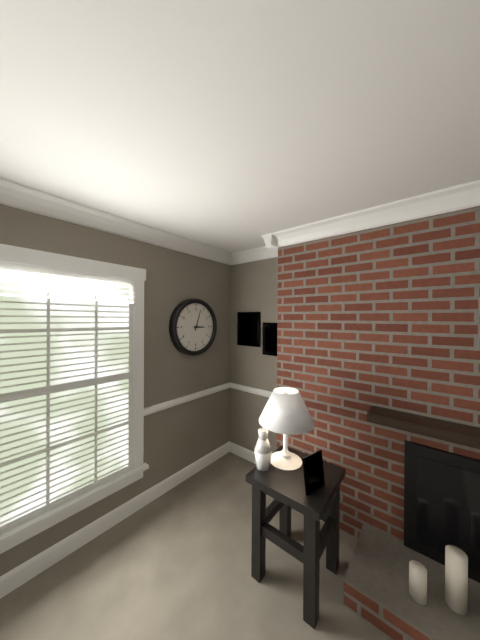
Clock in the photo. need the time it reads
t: 3:03
